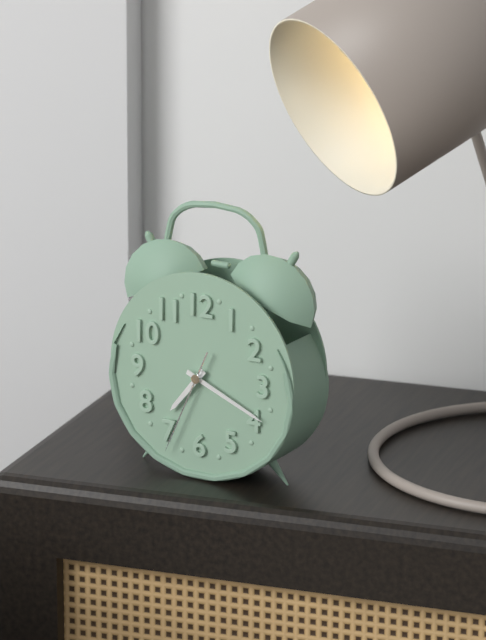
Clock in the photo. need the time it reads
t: 7:19:34
